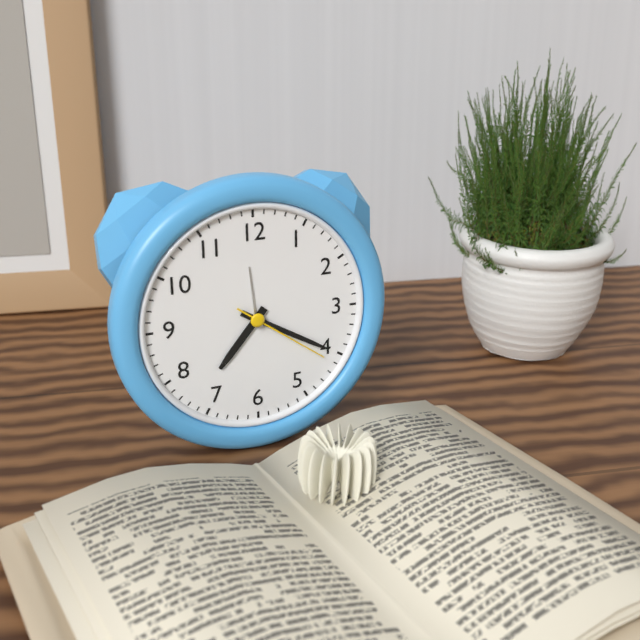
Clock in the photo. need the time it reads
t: 7:20:21
